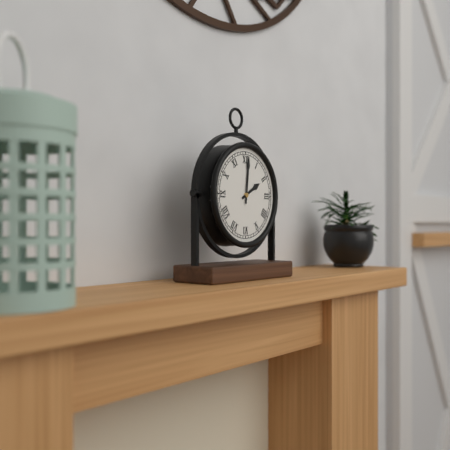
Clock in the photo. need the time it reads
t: 2:01
